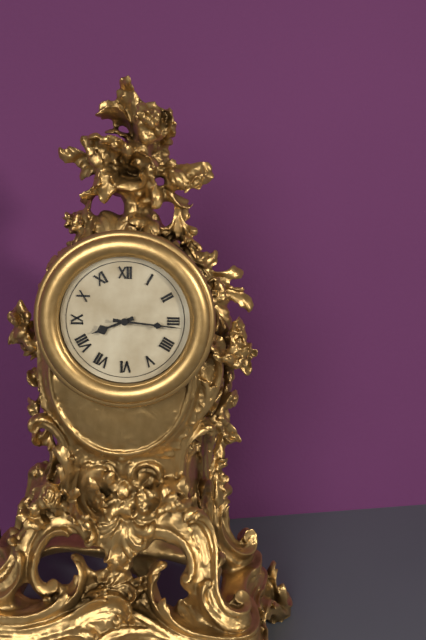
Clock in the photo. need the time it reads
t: 8:16
